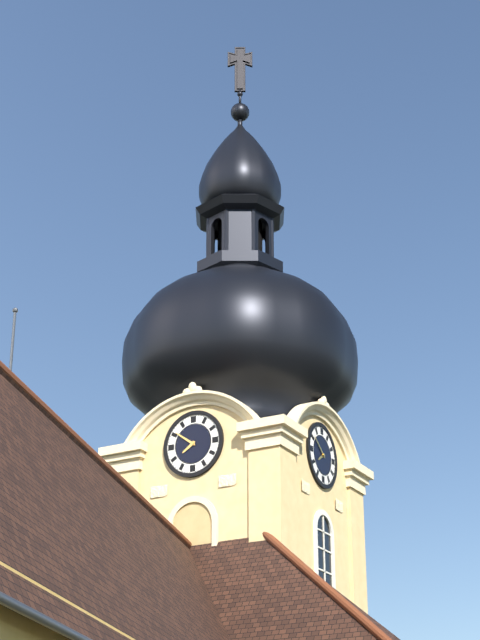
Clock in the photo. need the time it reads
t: 7:51
